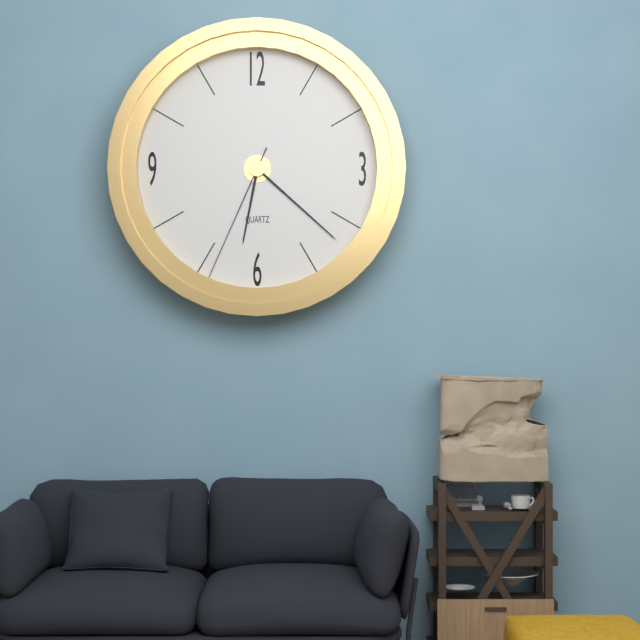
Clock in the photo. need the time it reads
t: 6:22:34
